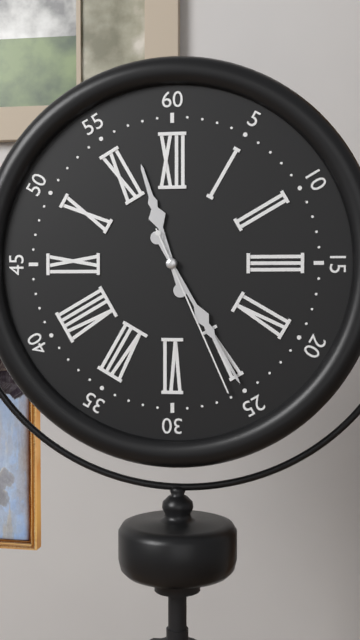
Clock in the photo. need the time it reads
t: 11:25:26
